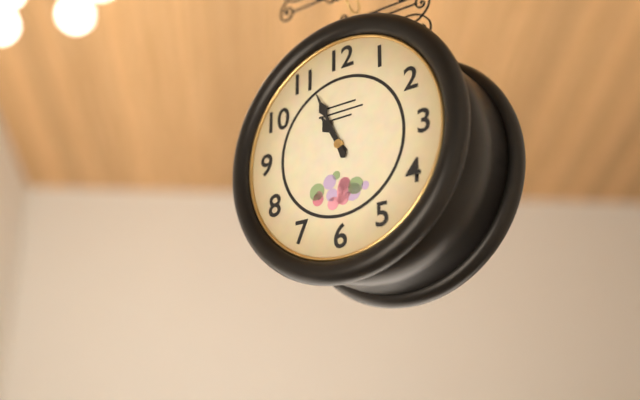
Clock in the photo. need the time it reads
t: 10:56
